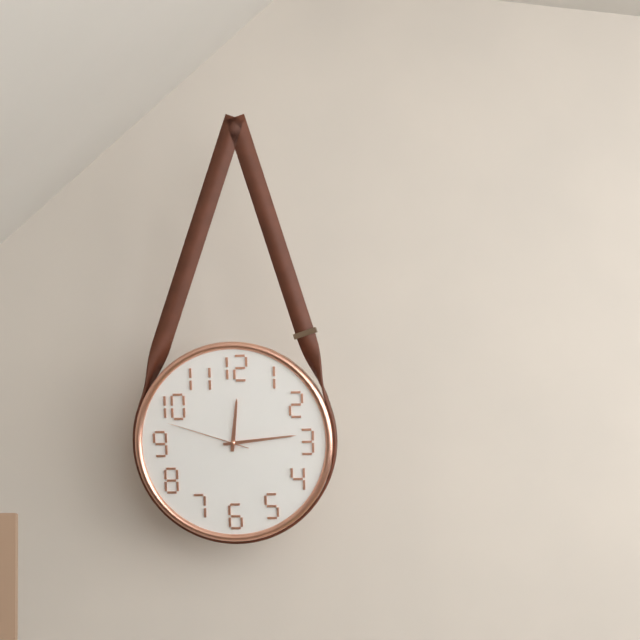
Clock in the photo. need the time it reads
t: 12:14:48
